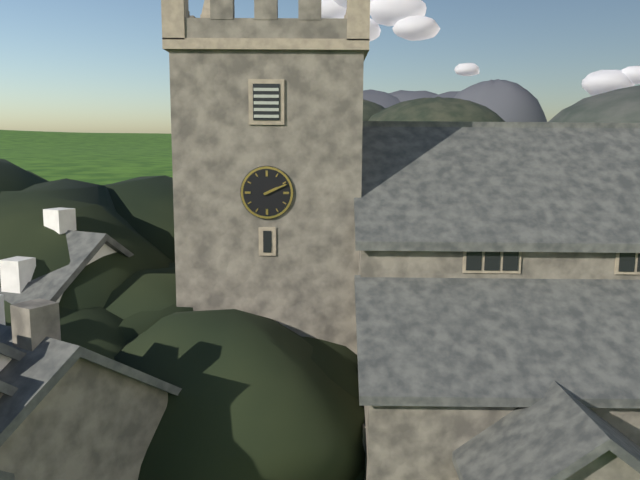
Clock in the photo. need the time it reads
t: 2:11
